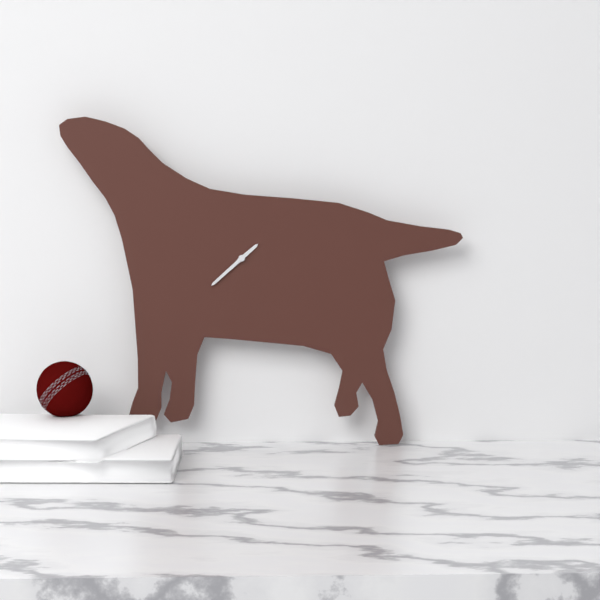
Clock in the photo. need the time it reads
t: 1:38
